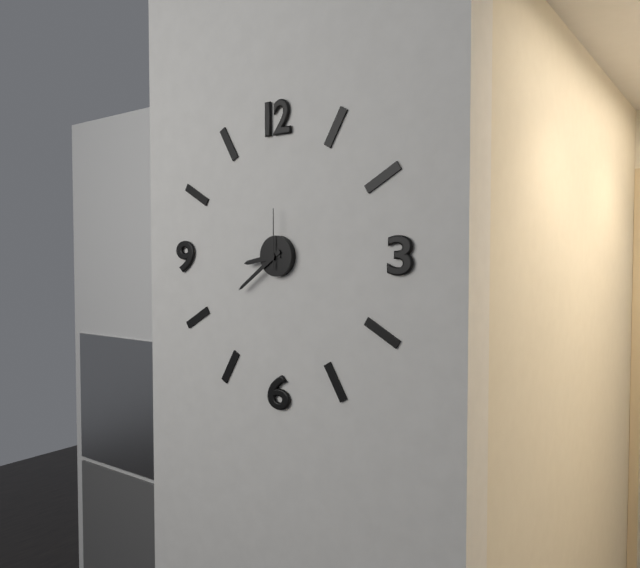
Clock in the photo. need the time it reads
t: 8:39:00
